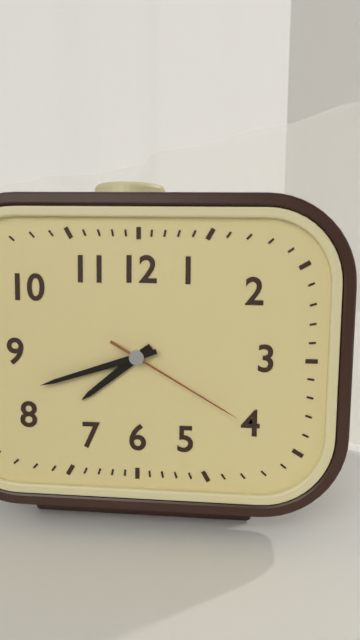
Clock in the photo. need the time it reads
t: 7:42:20
